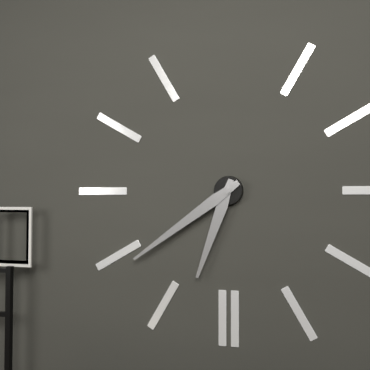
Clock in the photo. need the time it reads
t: 6:39
